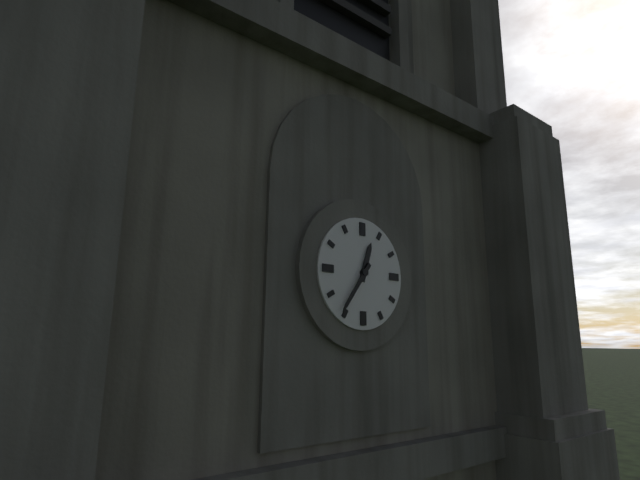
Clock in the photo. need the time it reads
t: 12:36
